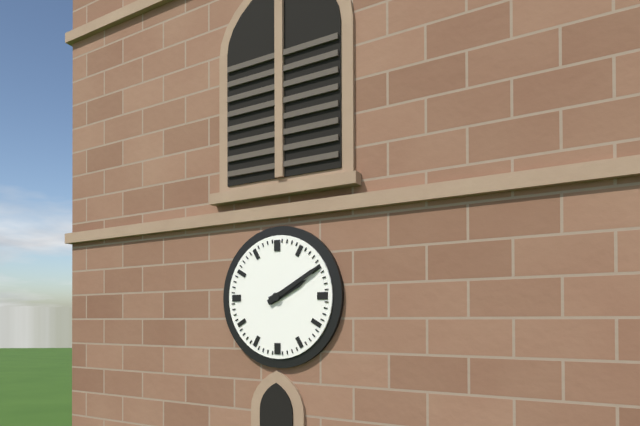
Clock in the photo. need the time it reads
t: 2:10
